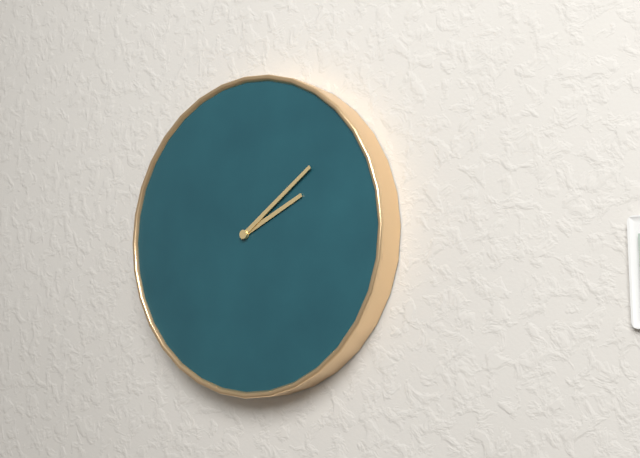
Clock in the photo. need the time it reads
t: 2:09
